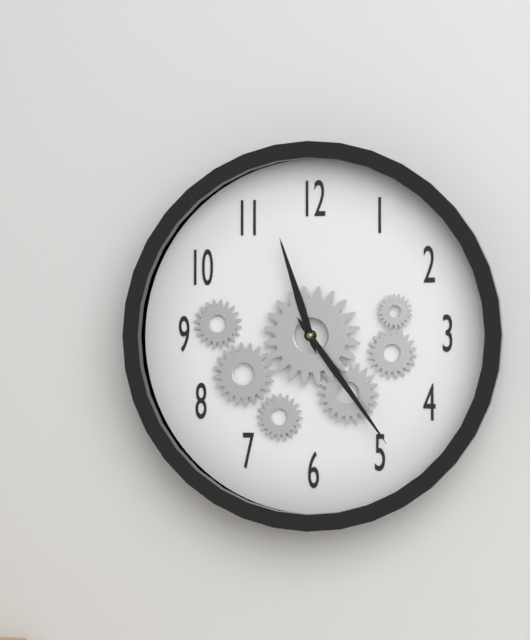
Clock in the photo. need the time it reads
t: 11:24
